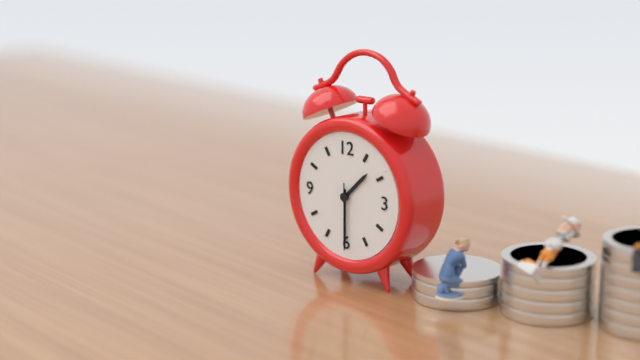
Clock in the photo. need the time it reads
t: 1:30:30
